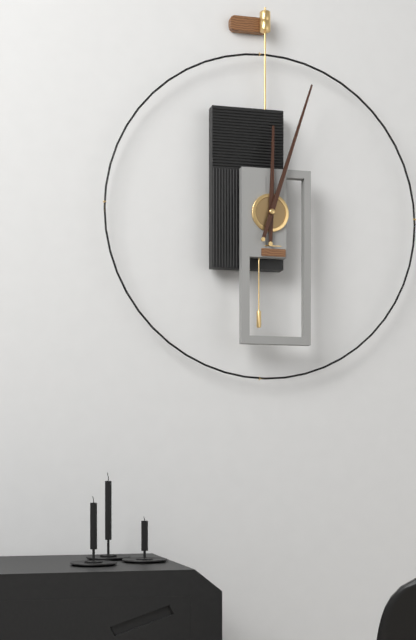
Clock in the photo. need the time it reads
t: 12:03
